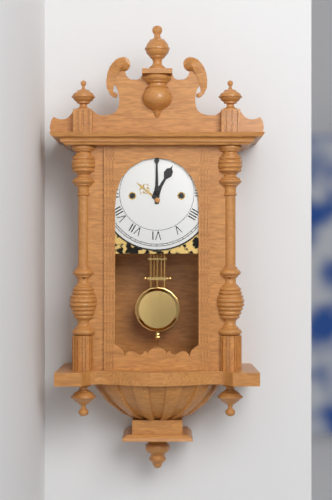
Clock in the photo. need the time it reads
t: 1:00
